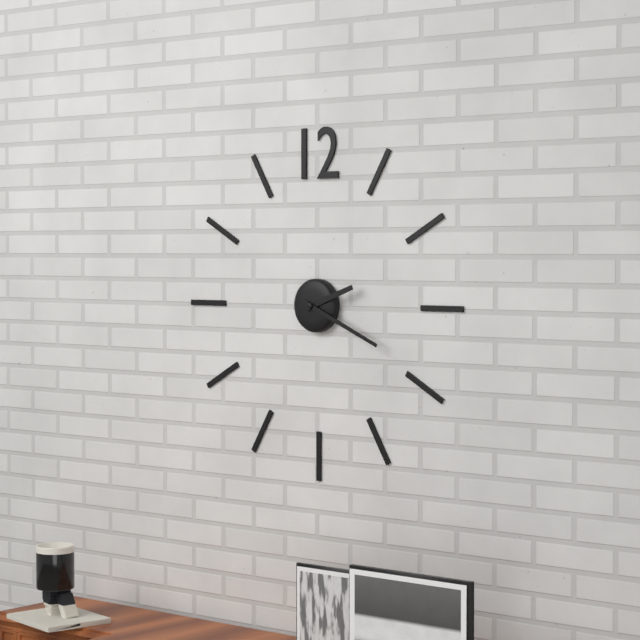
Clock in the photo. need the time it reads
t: 2:19
